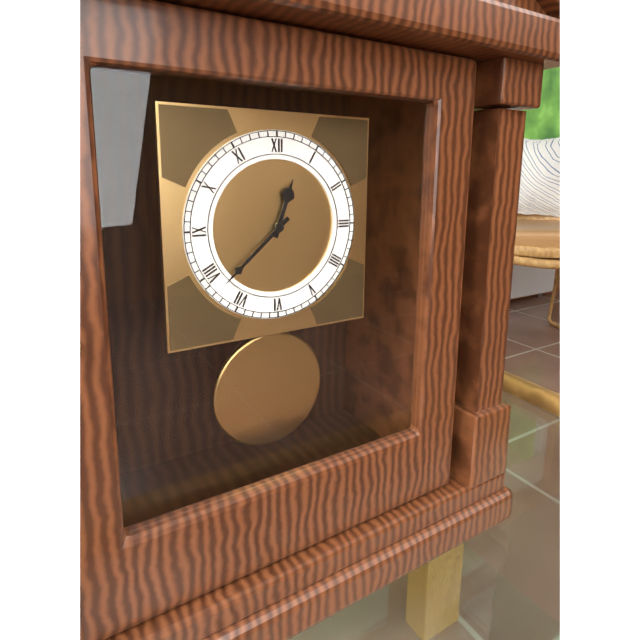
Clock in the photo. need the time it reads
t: 12:38
